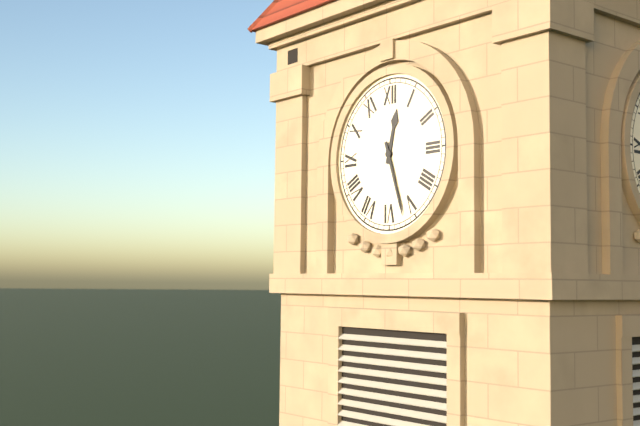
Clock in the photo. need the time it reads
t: 12:27
